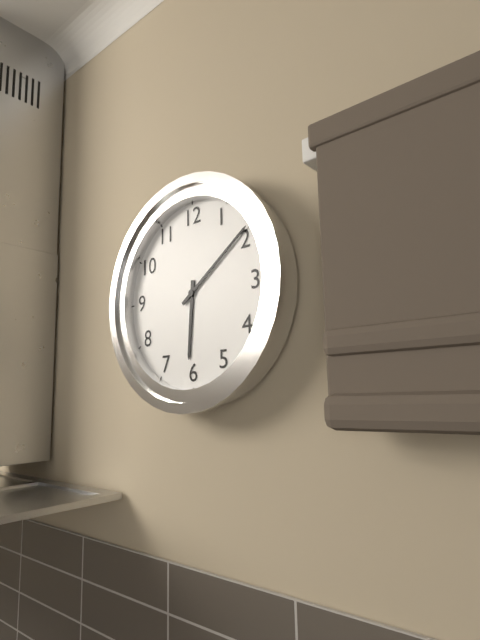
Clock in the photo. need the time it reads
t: 6:09
